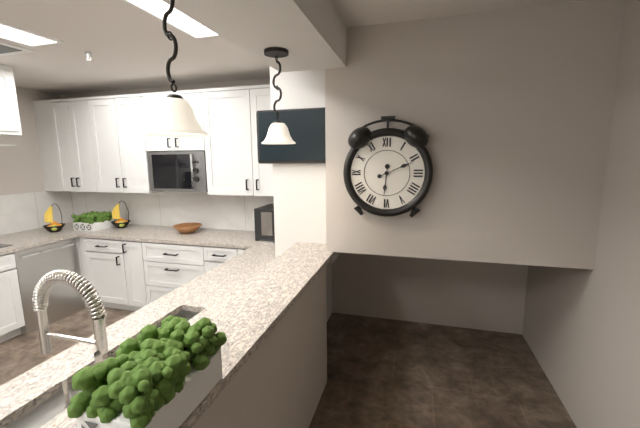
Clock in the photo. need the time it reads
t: 6:11
